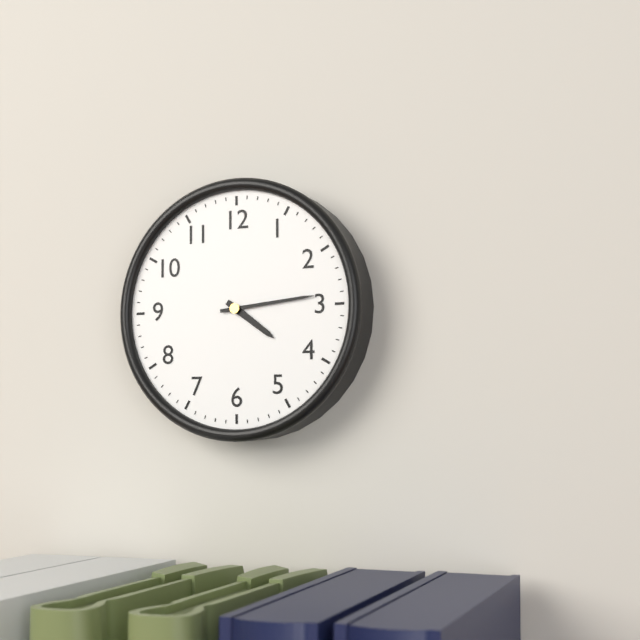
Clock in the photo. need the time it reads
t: 4:14
